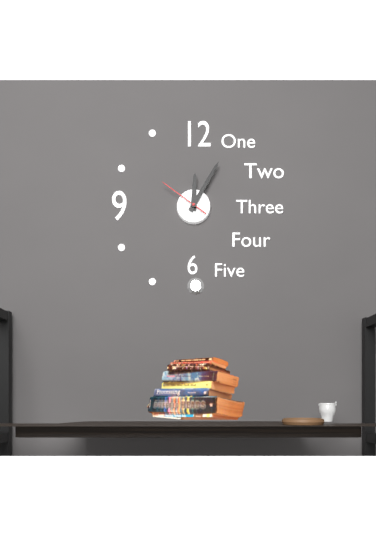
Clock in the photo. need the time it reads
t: 12:05
